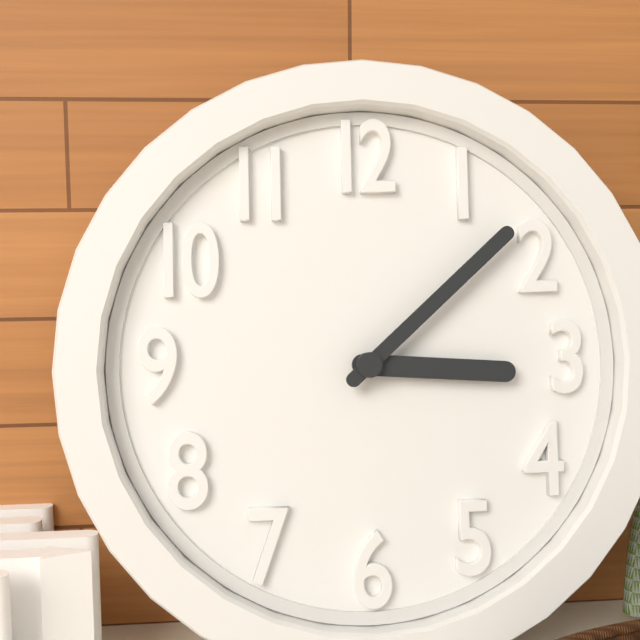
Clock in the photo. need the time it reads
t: 3:08
